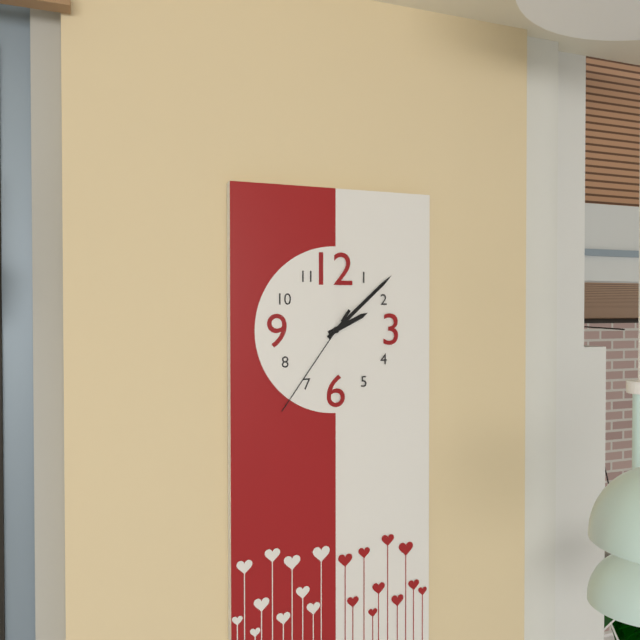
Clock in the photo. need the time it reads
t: 2:08:36
